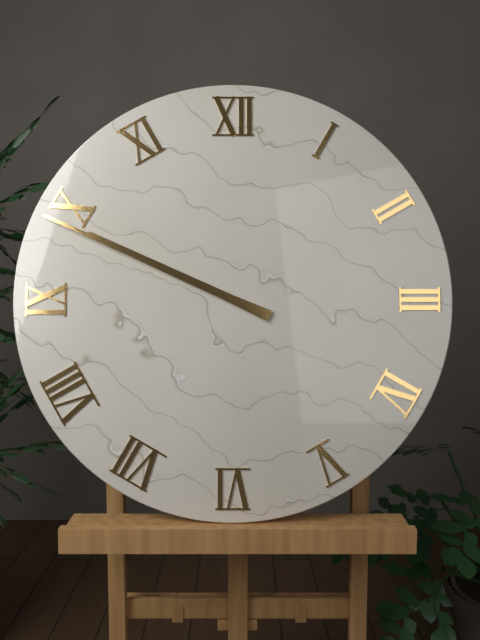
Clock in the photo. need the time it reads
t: 9:49
